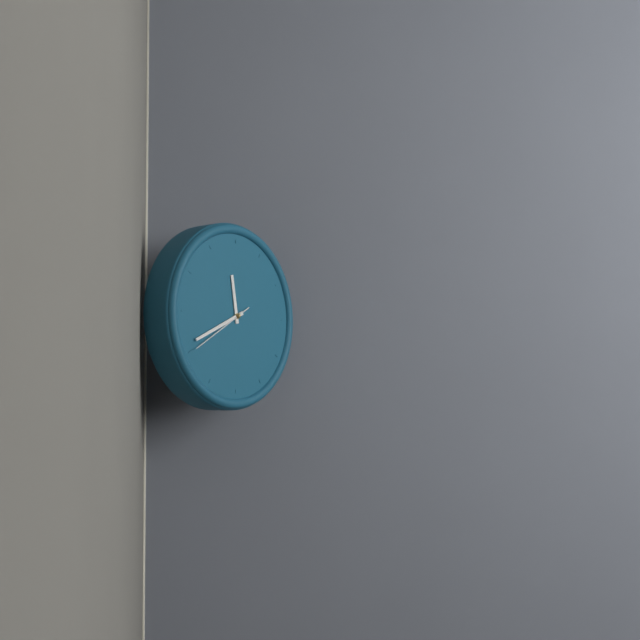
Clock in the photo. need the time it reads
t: 11:41:40
